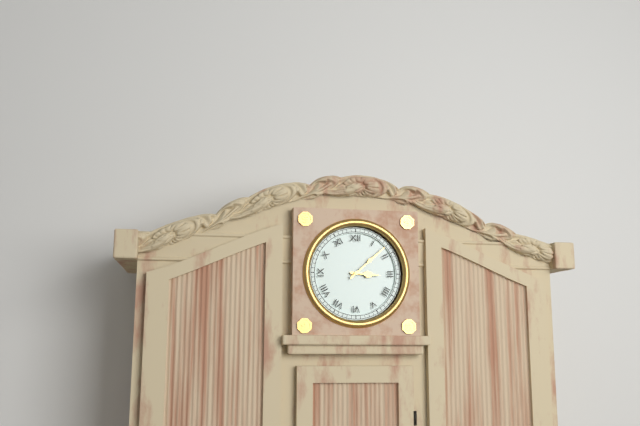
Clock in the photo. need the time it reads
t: 3:08
